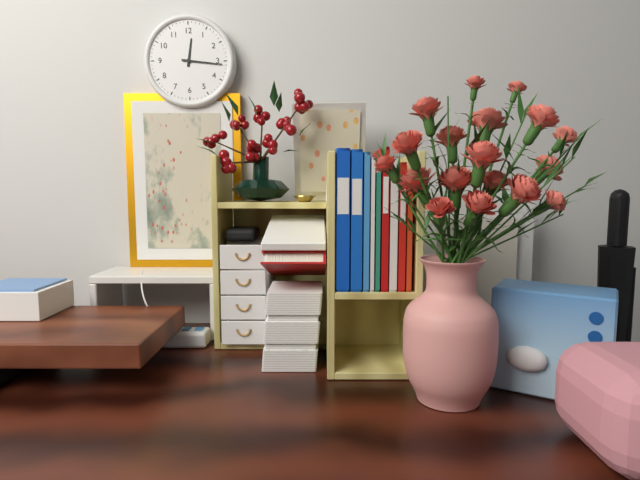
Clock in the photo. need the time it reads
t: 12:16
